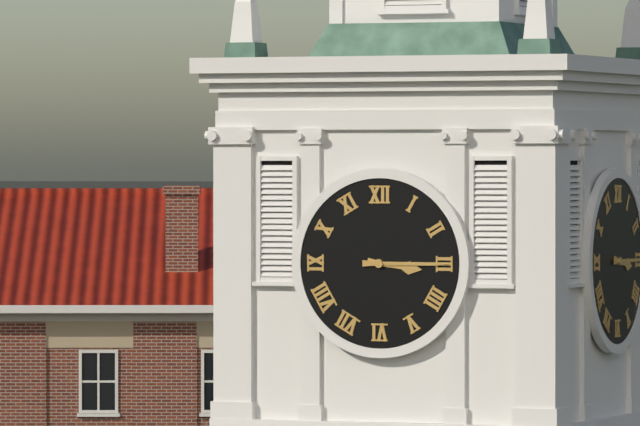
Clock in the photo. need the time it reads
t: 3:15
